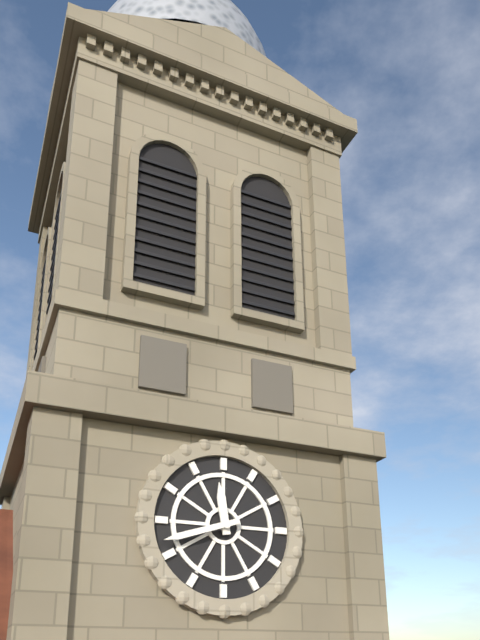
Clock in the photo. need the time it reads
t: 11:42
